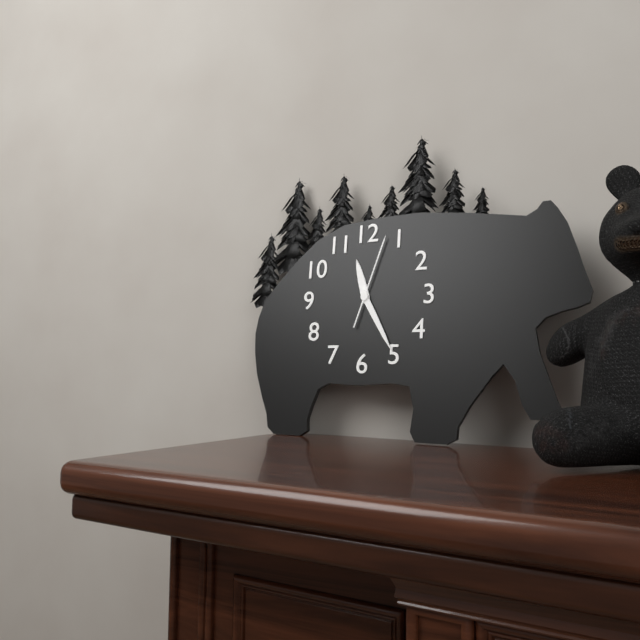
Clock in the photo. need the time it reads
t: 11:25:03
